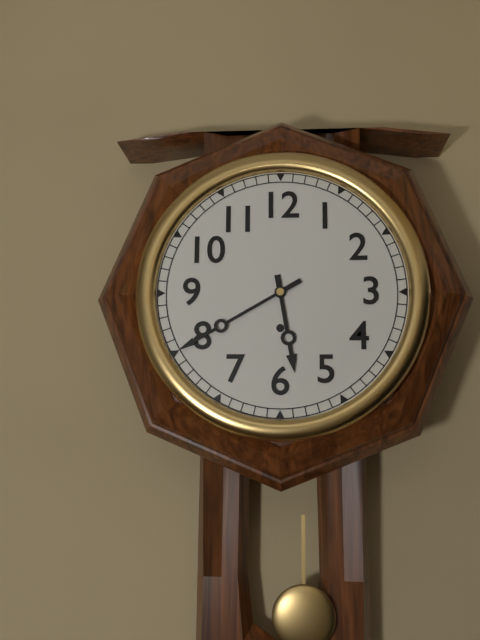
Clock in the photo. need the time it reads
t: 5:40
